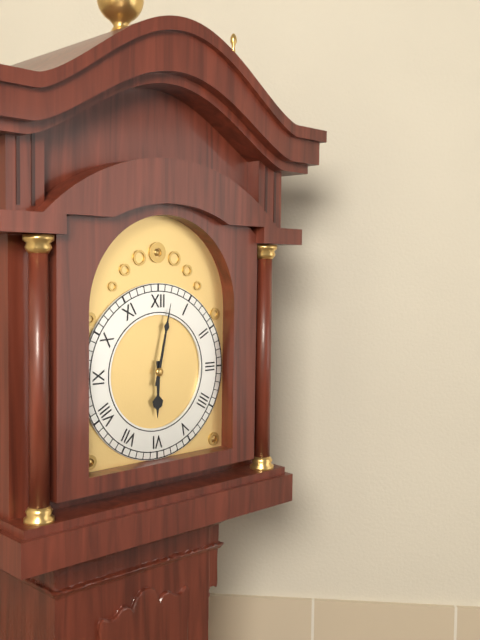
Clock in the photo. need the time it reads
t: 6:02
